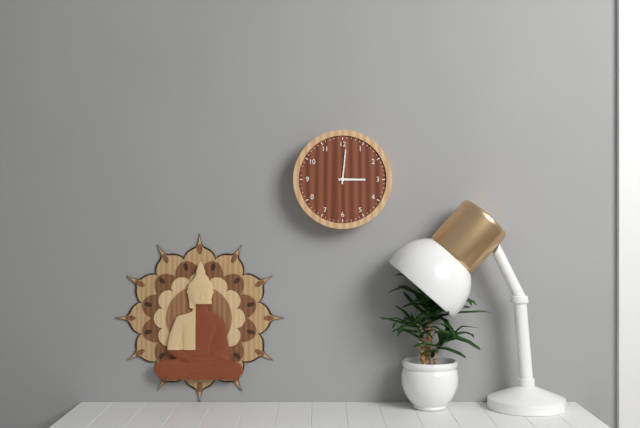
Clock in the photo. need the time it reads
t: 3:01
